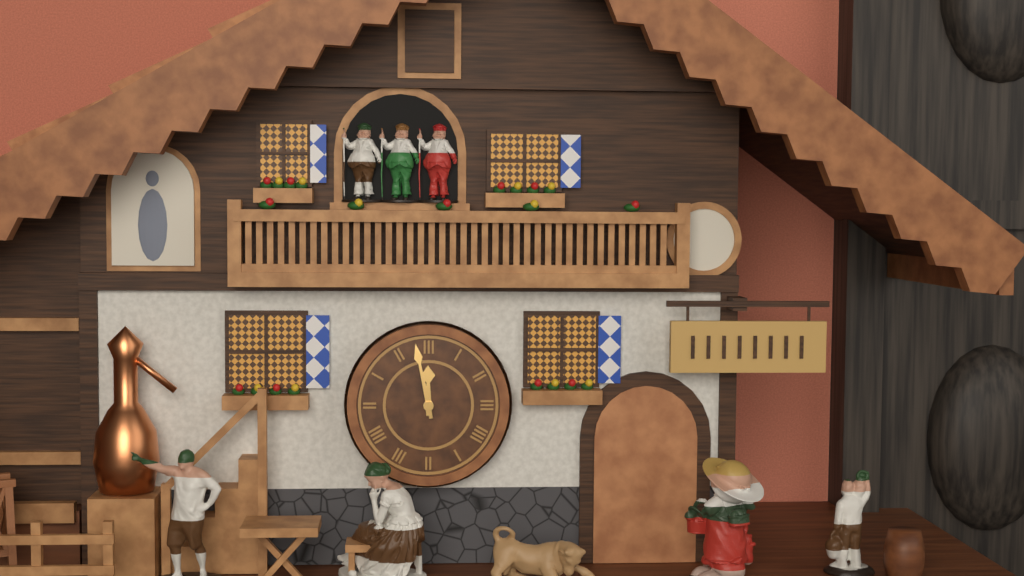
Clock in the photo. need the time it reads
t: 11:58
